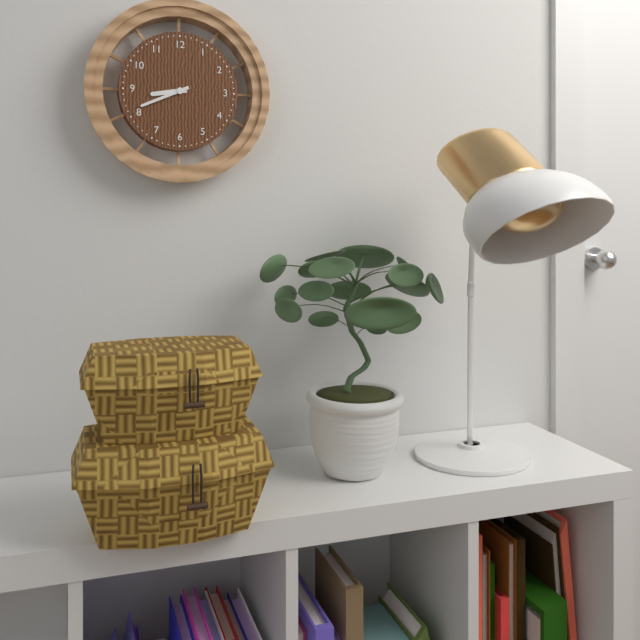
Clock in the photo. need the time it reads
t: 8:41
